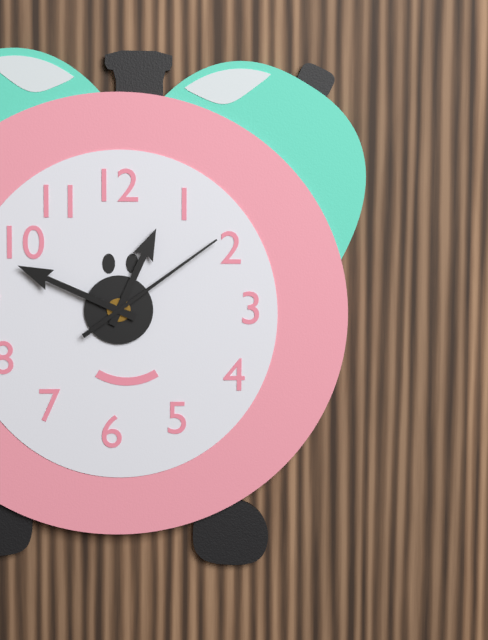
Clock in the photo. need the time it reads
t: 12:49:09
